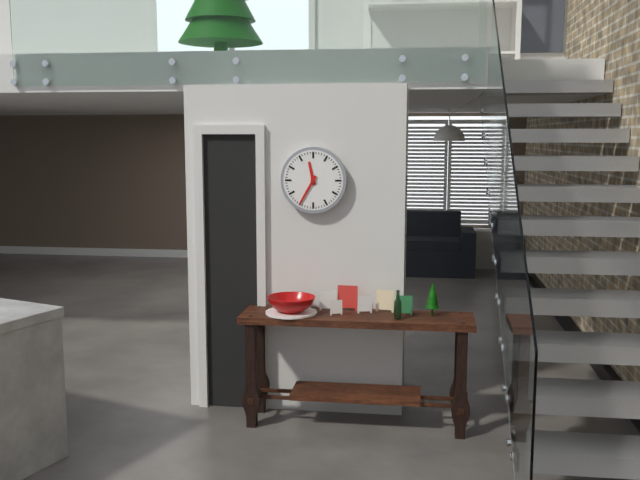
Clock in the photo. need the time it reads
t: 11:35
